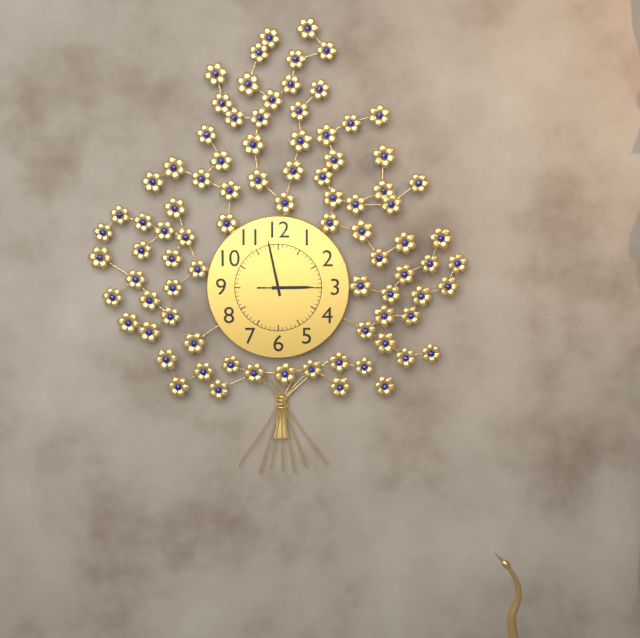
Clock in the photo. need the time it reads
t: 2:58:15
